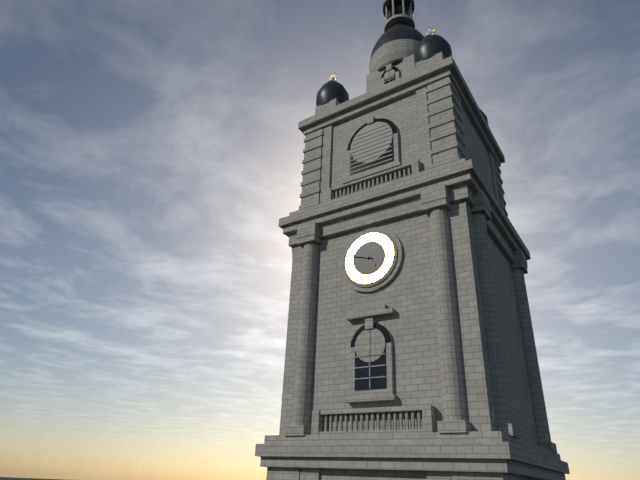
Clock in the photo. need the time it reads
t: 4:48
